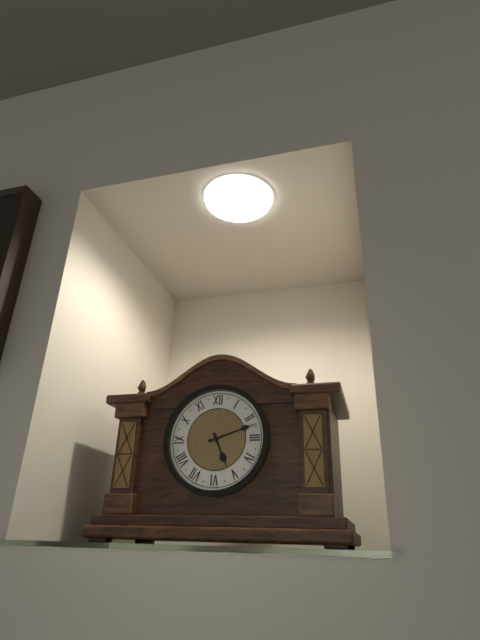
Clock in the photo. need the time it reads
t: 5:12
